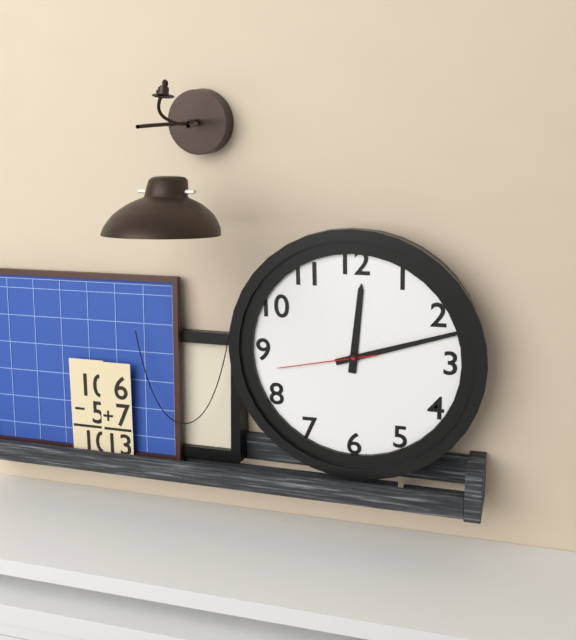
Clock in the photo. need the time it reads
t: 12:12:43
